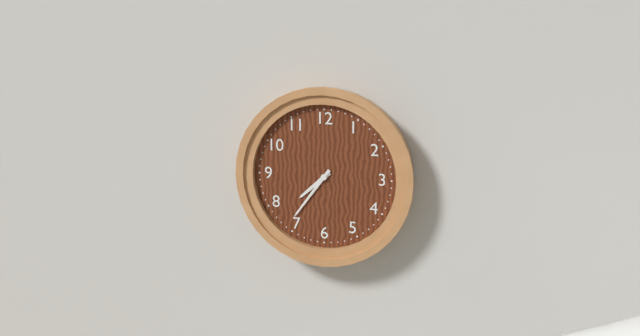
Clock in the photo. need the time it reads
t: 7:36
